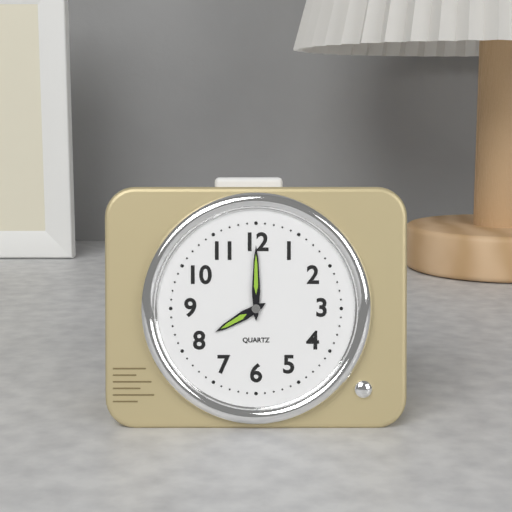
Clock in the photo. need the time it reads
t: 8:00
